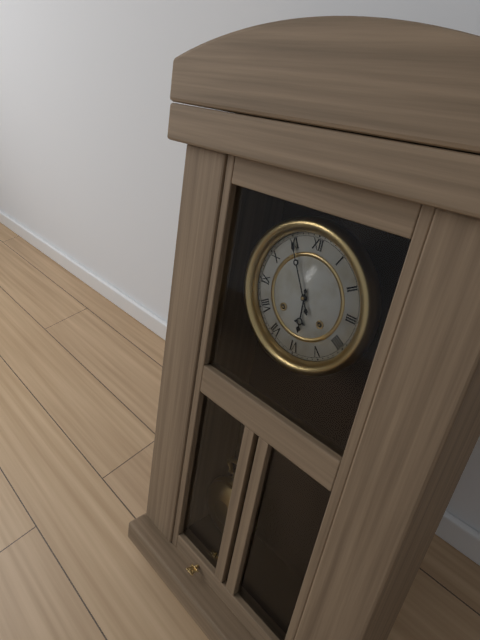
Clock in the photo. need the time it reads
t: 5:55
